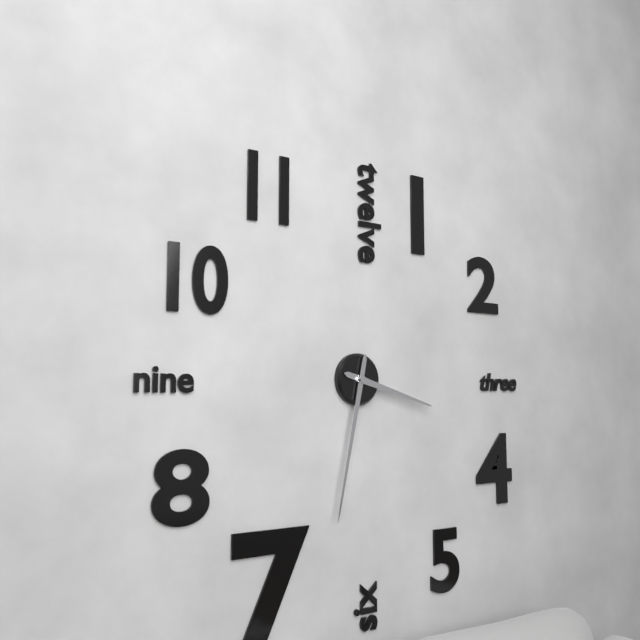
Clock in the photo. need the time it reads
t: 3:32
